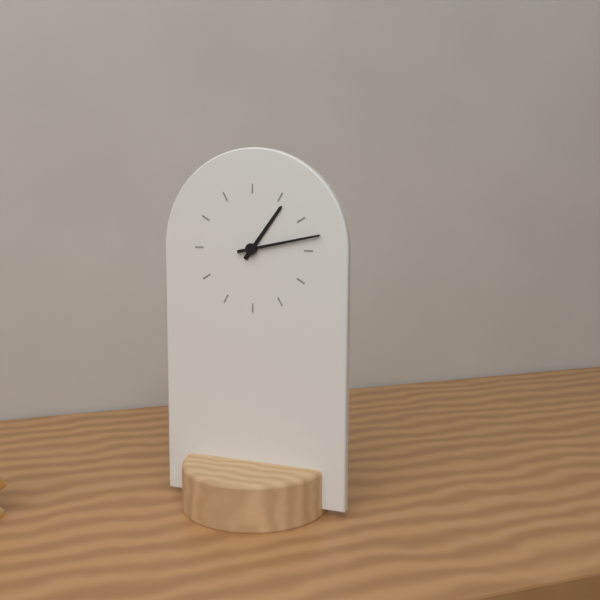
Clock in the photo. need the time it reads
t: 1:13
